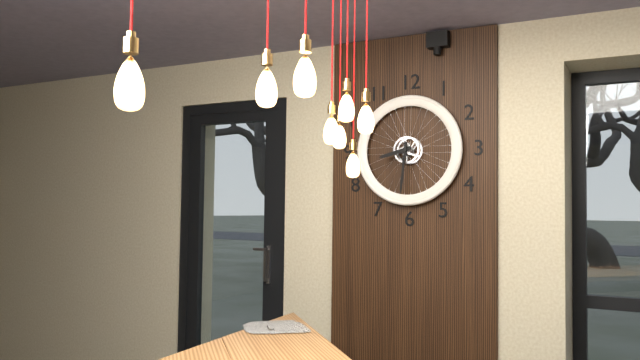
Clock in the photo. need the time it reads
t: 8:31
